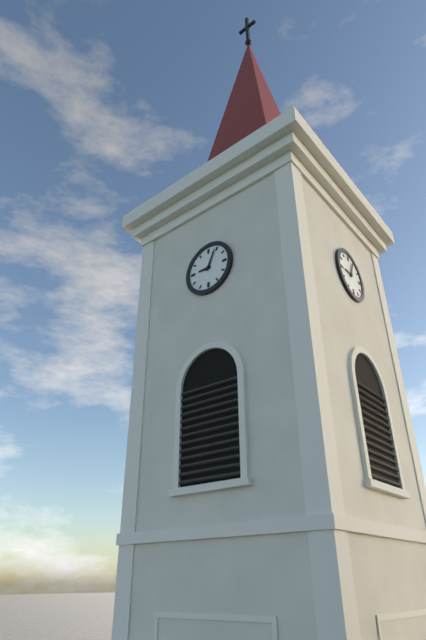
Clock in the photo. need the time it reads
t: 9:04
